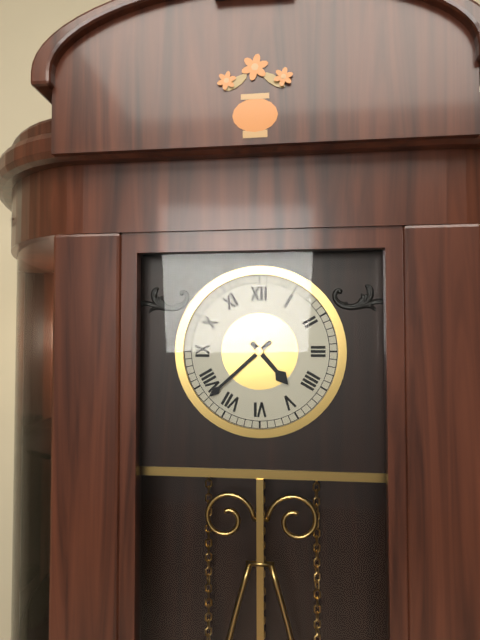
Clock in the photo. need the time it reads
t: 4:38
